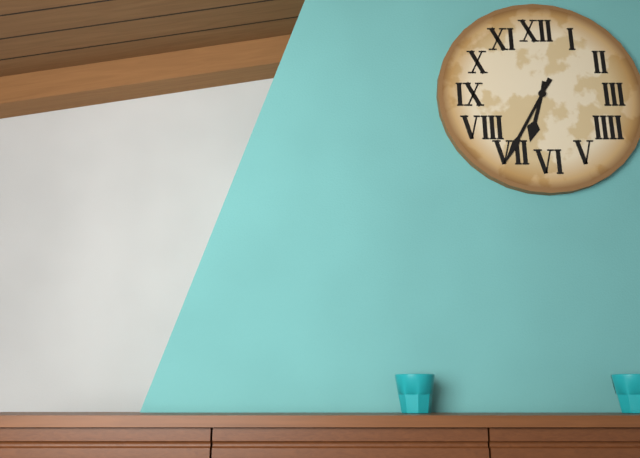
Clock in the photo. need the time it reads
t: 6:35
